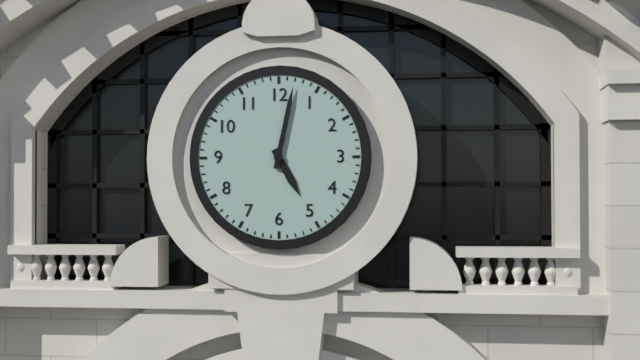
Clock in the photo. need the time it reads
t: 5:02
